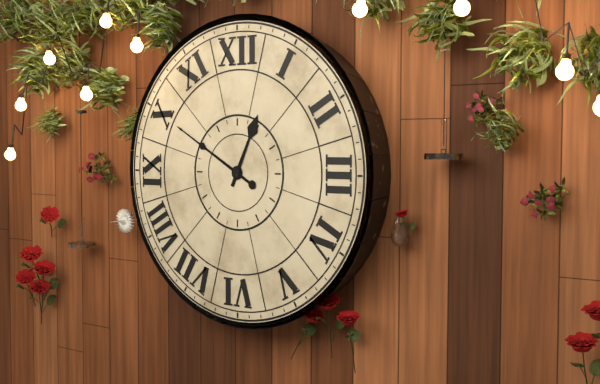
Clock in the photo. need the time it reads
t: 12:50
